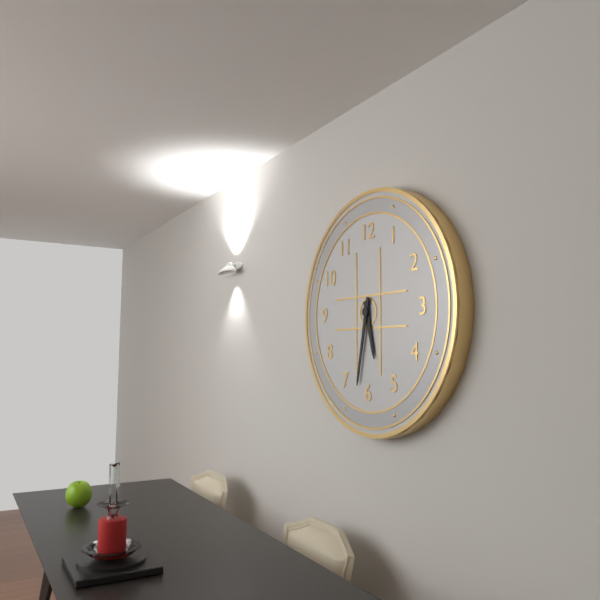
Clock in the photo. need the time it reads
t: 5:32
